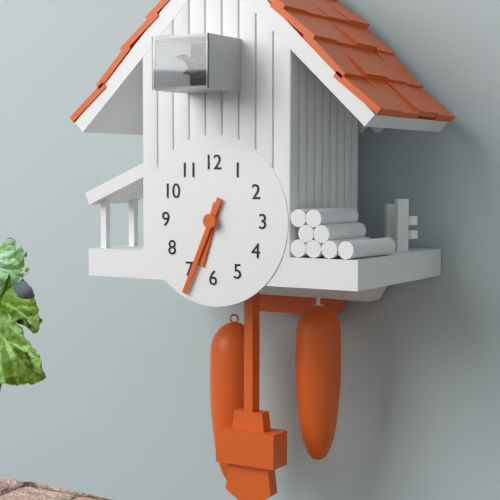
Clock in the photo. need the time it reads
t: 6:34
